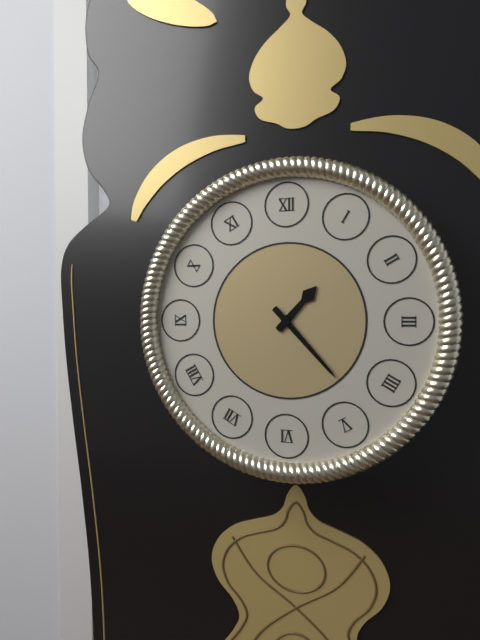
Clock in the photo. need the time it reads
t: 1:23
